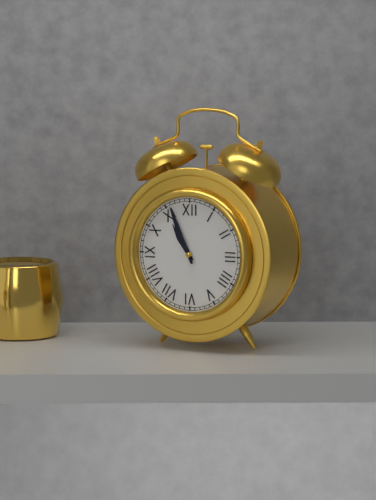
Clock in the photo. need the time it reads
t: 10:56
